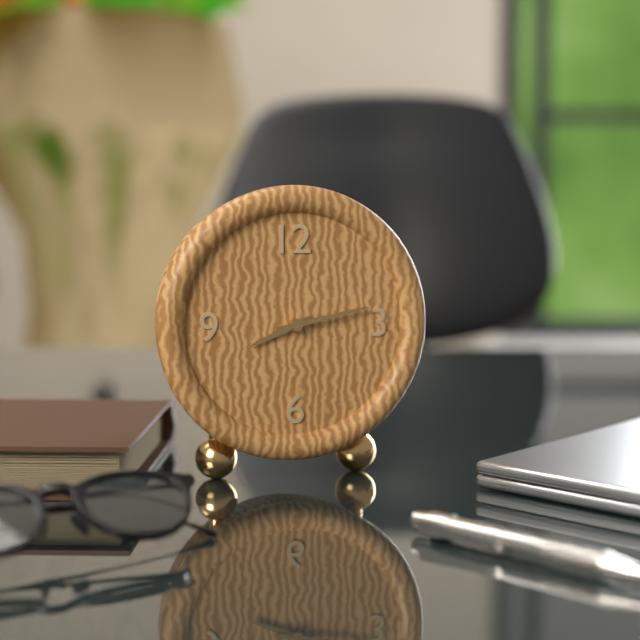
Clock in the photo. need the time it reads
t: 8:13
